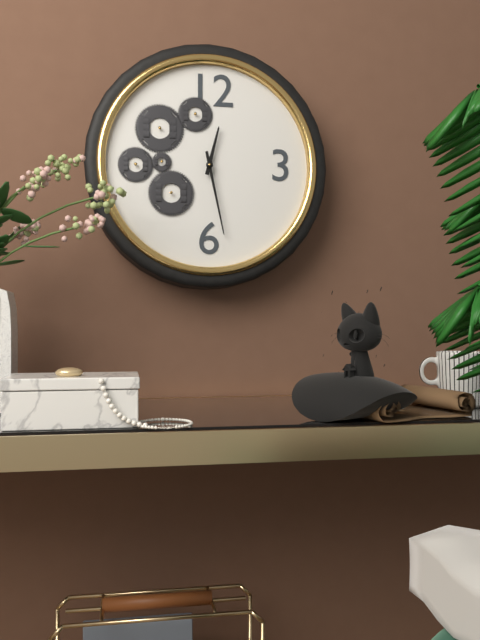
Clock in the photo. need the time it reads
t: 12:28
